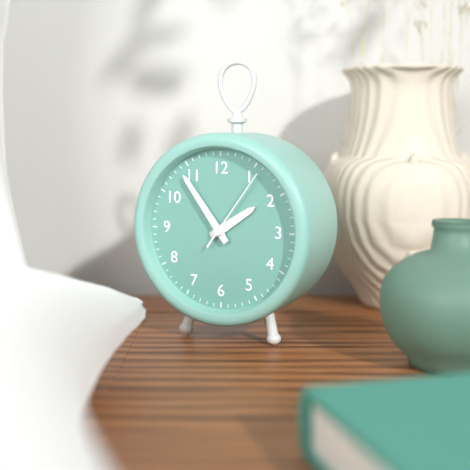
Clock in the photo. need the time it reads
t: 1:54:06
